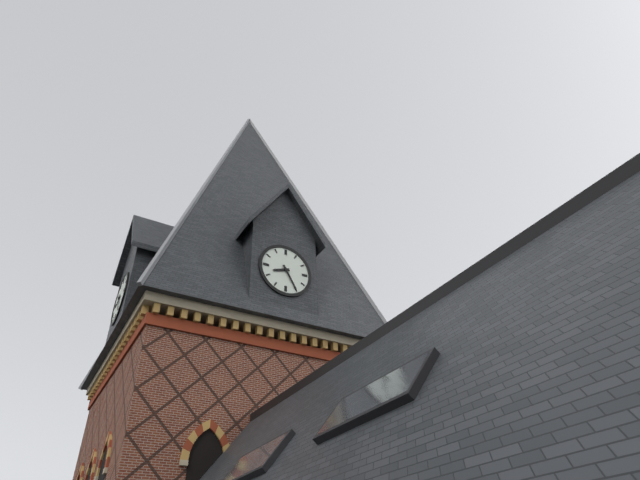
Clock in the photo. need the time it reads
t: 8:25
